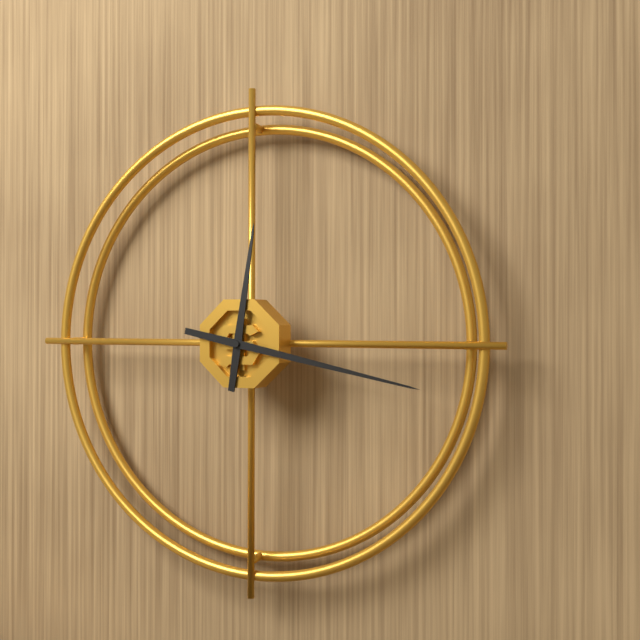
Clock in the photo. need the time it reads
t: 12:17
